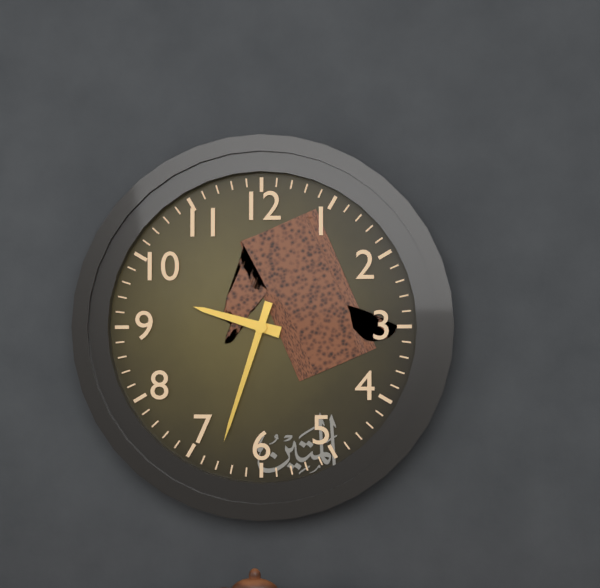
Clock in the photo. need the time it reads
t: 9:33
